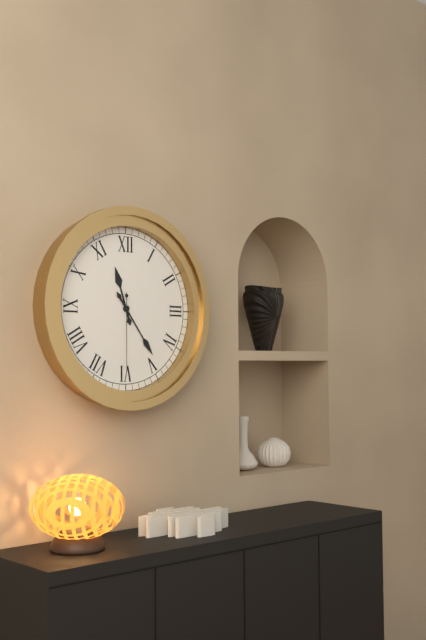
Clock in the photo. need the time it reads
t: 11:24:30
